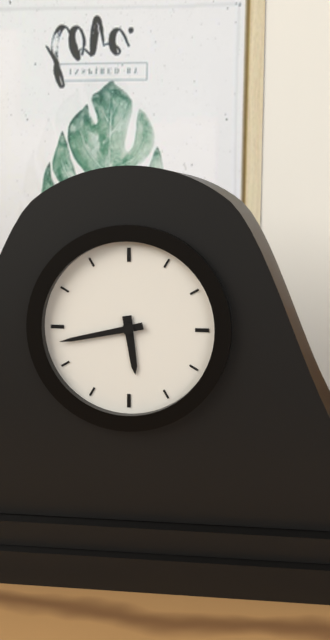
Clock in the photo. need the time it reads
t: 5:43
